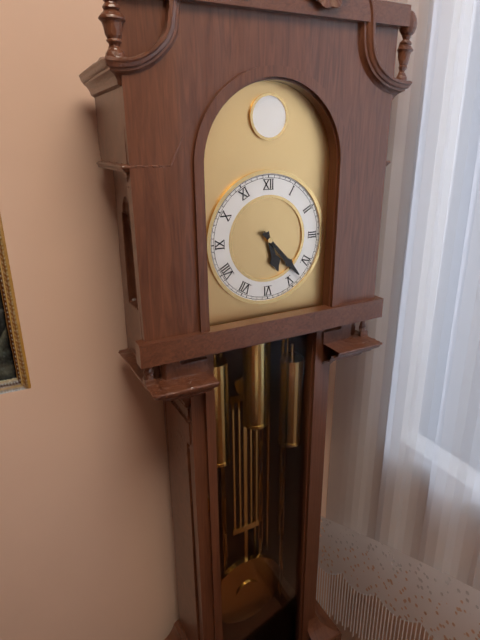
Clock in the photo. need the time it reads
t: 5:23
